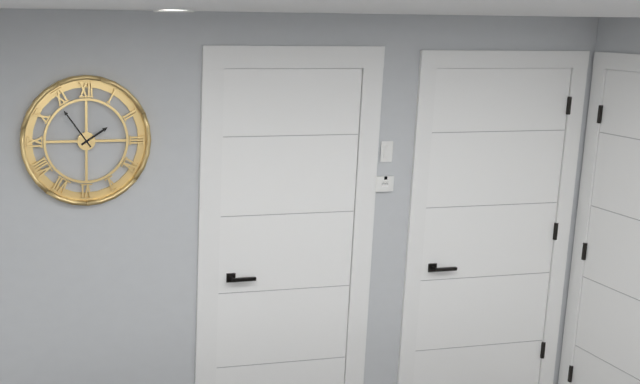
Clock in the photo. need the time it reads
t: 1:54
